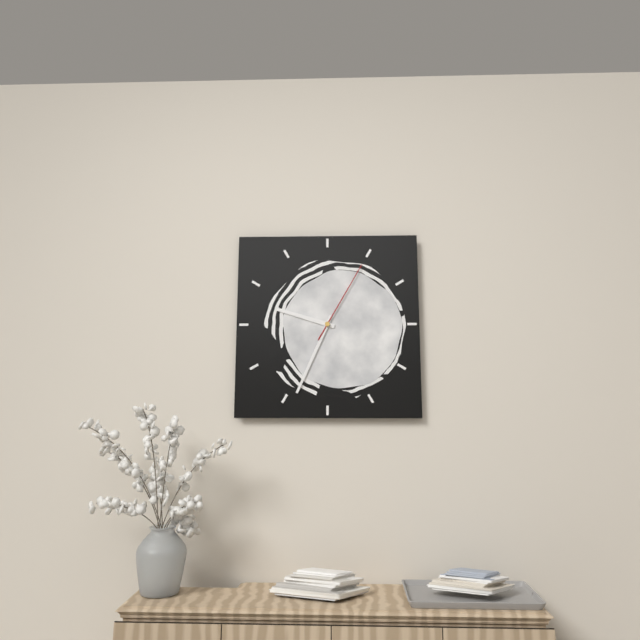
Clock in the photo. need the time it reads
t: 9:34:05
